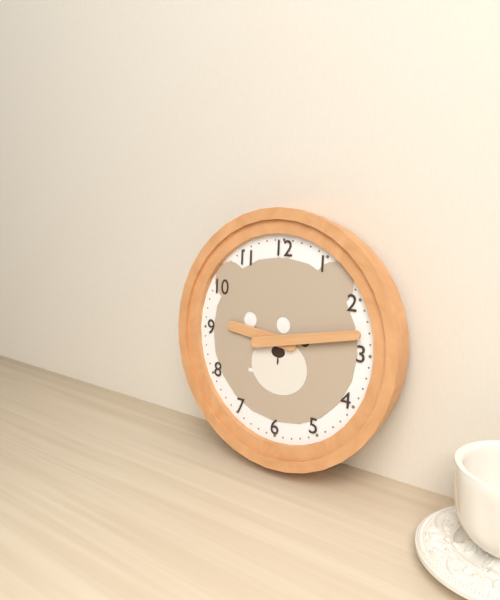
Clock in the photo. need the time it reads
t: 9:13
